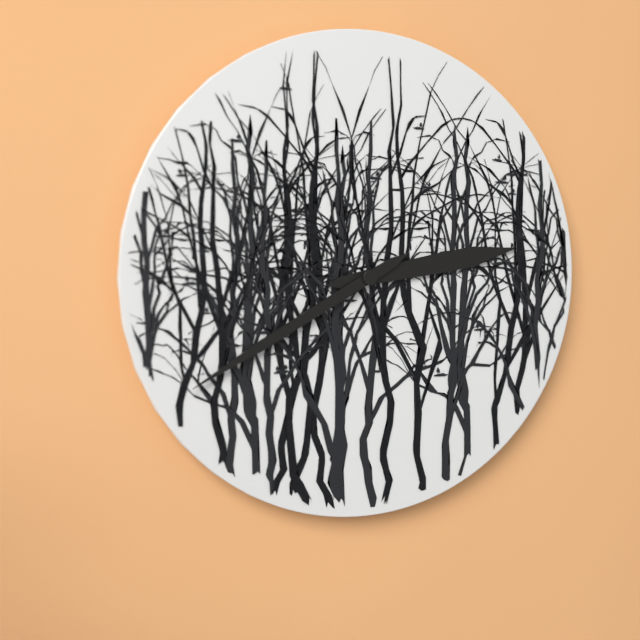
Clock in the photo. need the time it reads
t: 2:40
